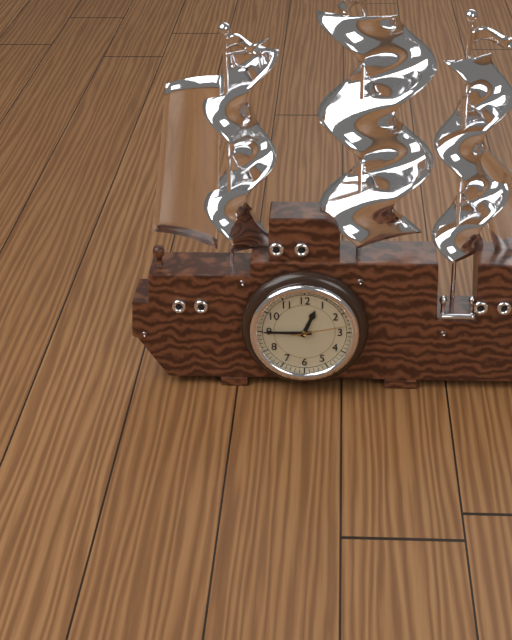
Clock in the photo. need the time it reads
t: 12:45:13
